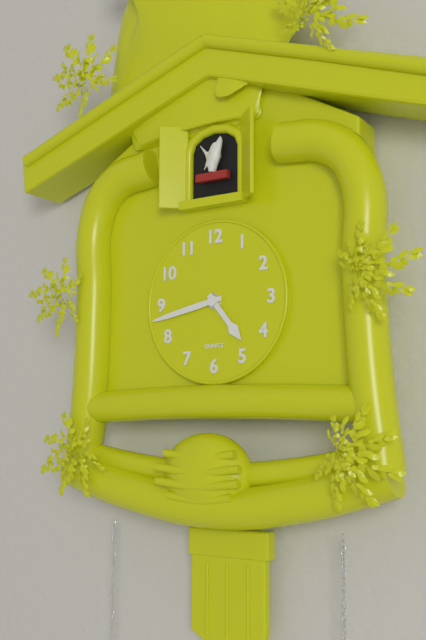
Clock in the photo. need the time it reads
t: 4:43
